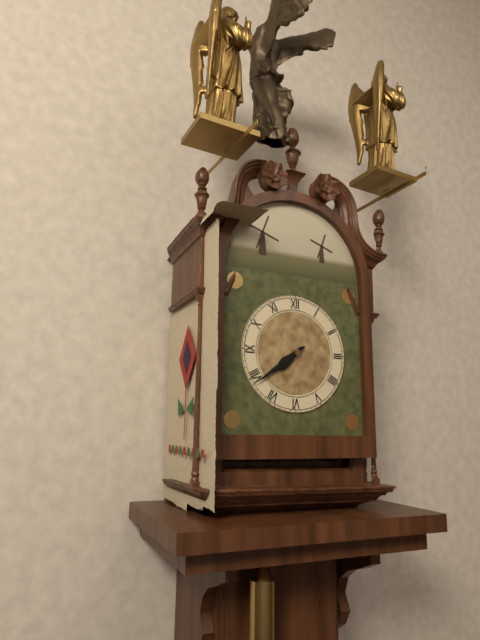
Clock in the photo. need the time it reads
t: 7:39
